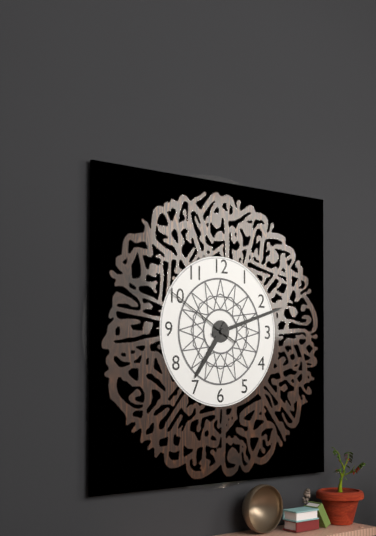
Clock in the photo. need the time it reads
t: 7:12:50
